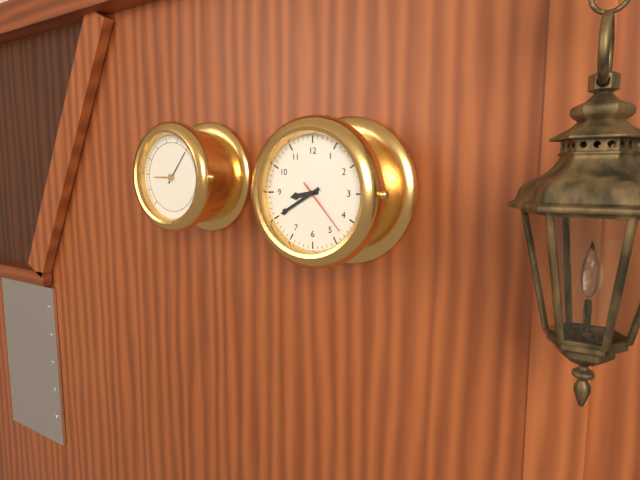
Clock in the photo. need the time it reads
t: 8:40:23
